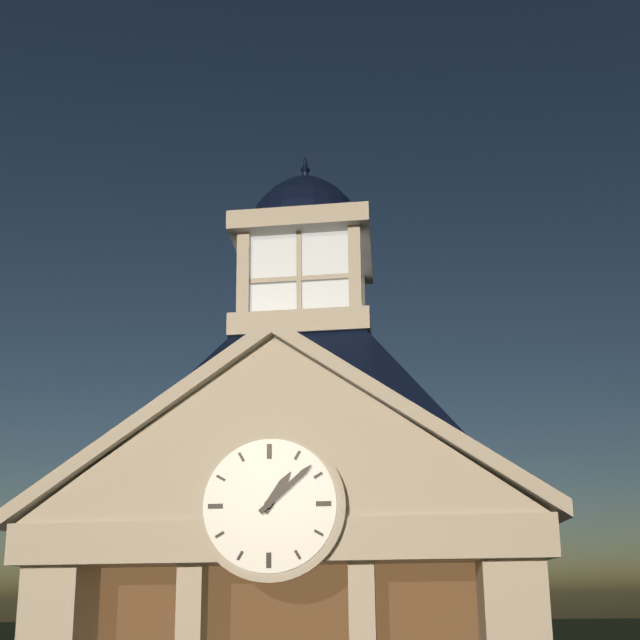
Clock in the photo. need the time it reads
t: 1:08
